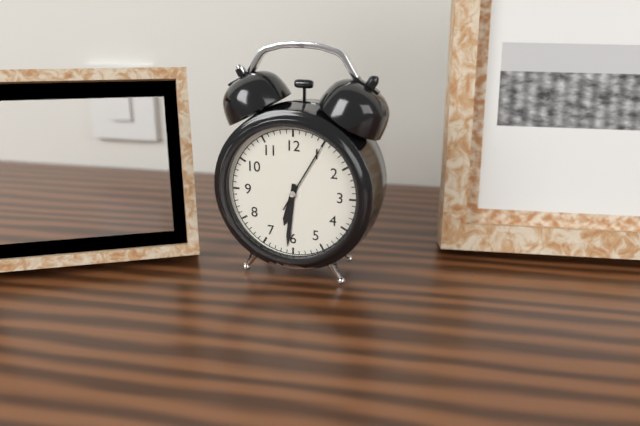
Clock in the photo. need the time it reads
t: 6:31:05
